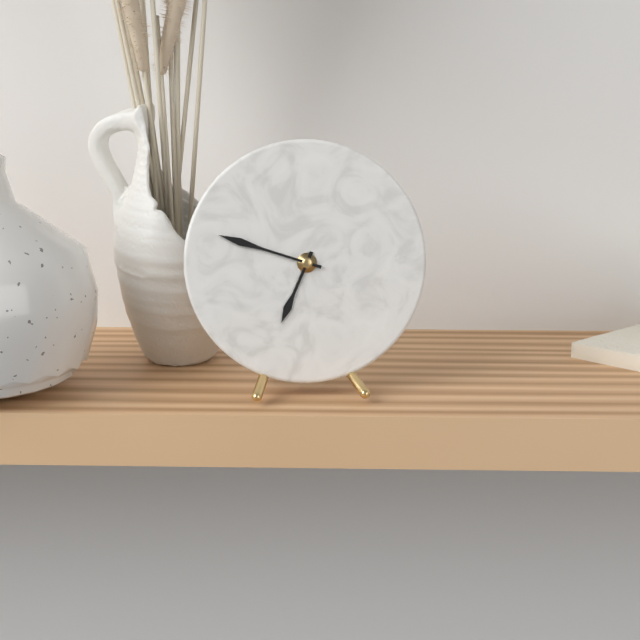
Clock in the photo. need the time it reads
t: 6:48
